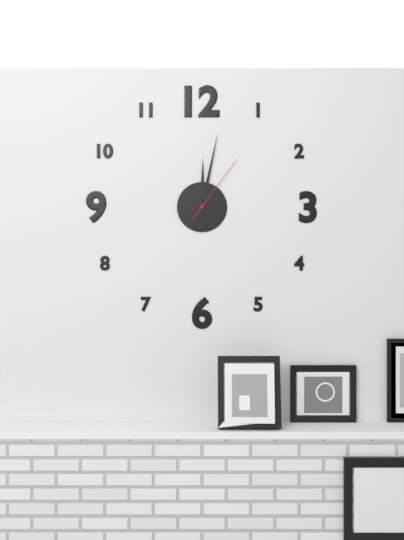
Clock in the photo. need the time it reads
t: 12:02:06
